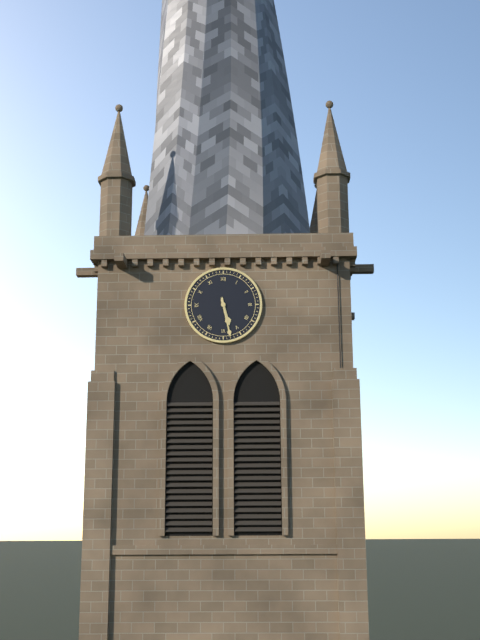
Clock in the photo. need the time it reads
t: 5:28
